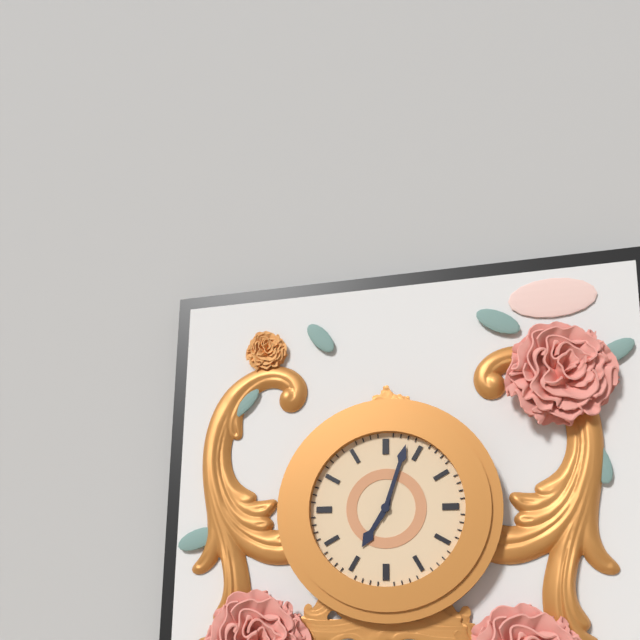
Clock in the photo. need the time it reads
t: 7:03
